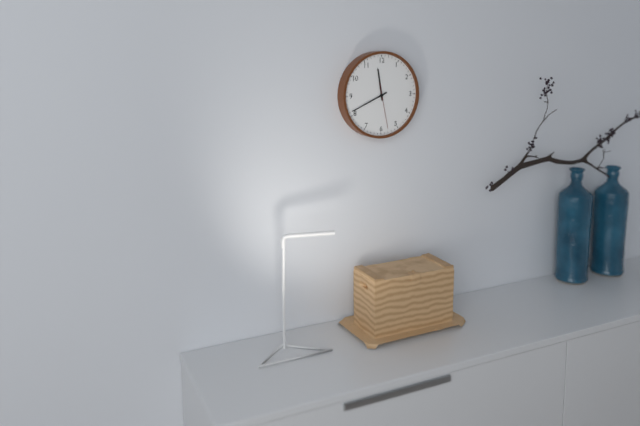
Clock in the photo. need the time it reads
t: 11:41
